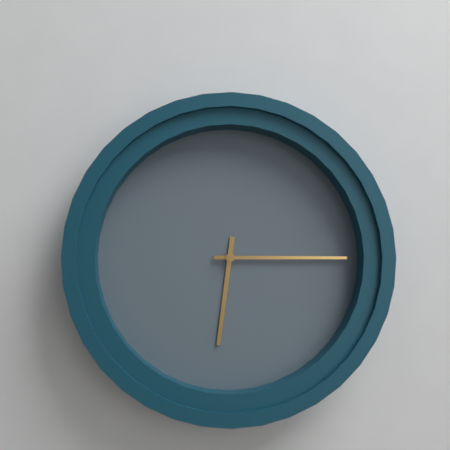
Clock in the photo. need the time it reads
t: 6:15
